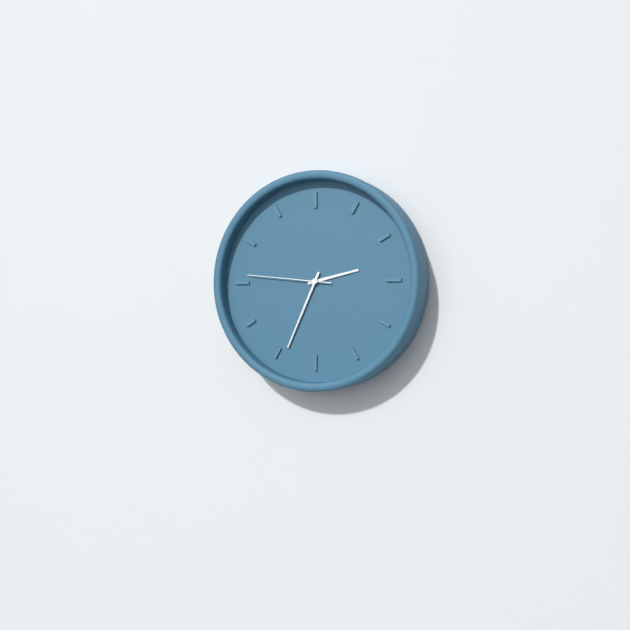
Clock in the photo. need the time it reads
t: 2:34:46
